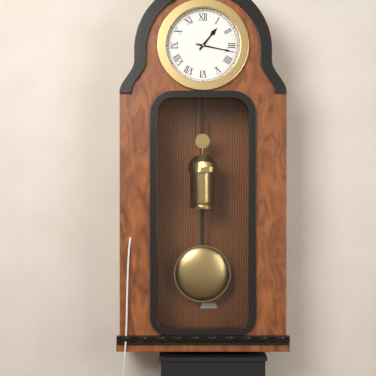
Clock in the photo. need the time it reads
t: 1:17
